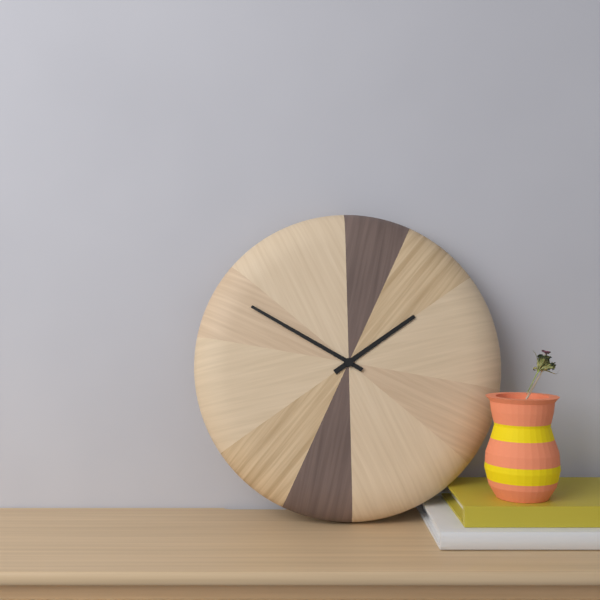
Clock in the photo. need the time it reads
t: 1:50
